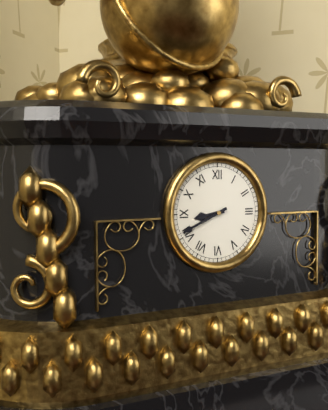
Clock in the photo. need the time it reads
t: 8:41
